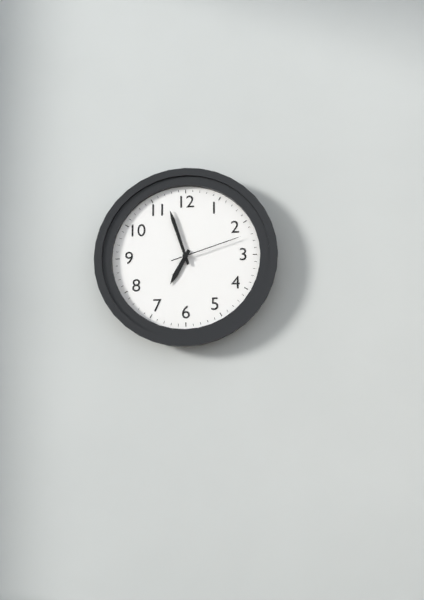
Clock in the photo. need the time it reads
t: 6:57:12
